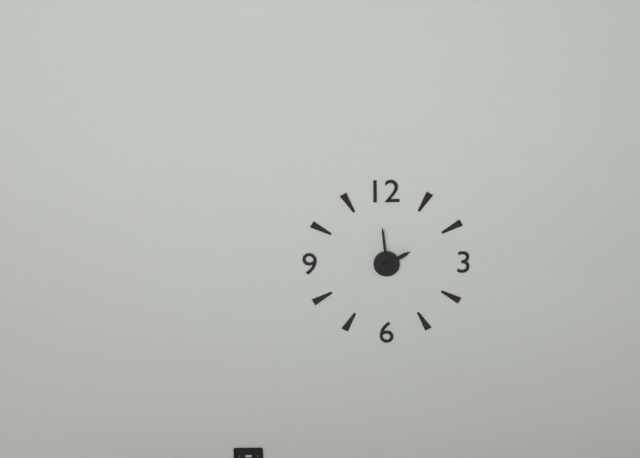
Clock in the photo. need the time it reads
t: 1:59
